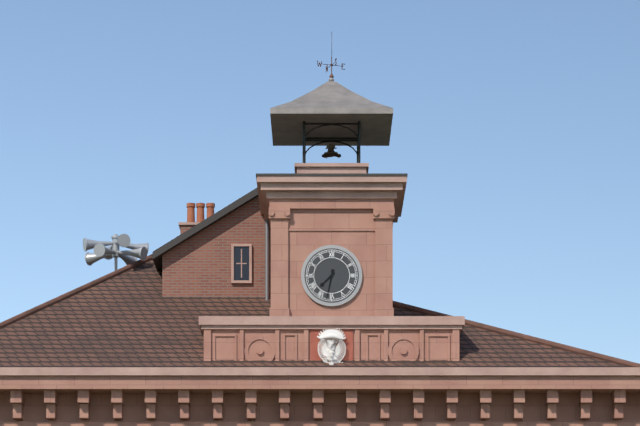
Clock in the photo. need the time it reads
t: 7:32
